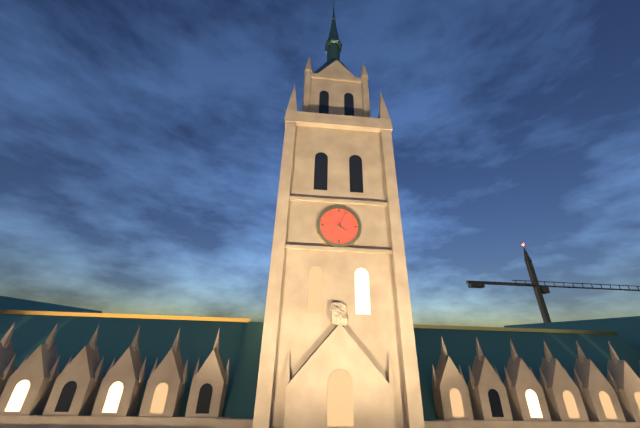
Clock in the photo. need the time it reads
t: 4:04
